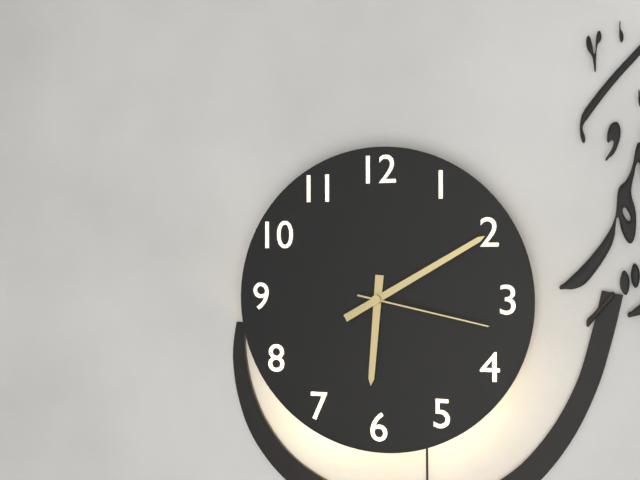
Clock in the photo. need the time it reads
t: 6:10:17
